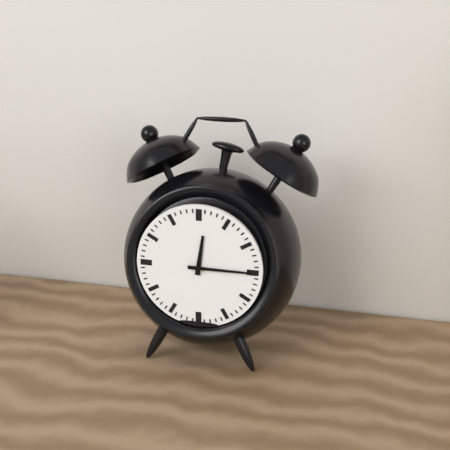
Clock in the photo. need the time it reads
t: 12:15
